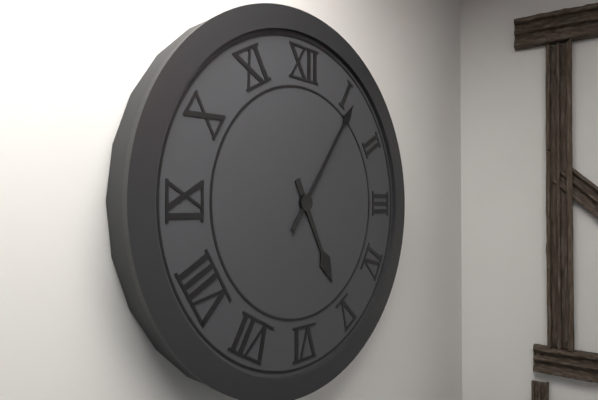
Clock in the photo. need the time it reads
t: 5:06
